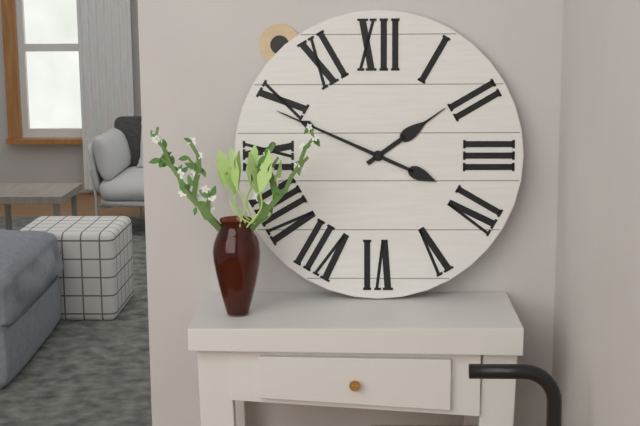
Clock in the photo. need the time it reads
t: 1:49
